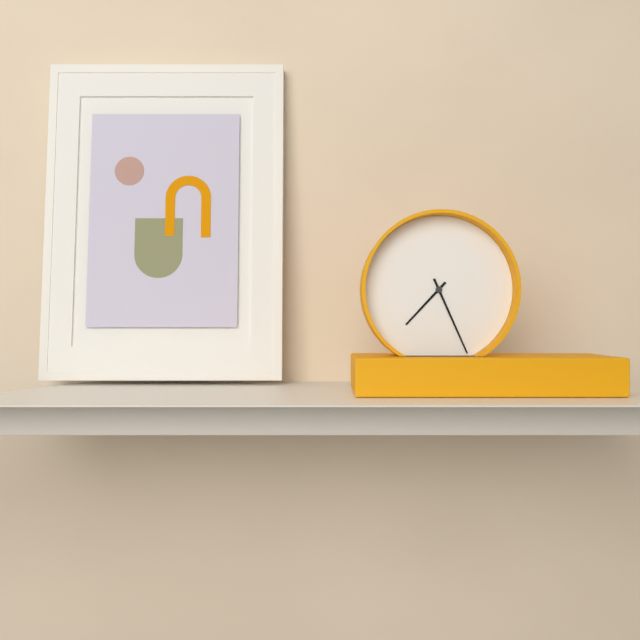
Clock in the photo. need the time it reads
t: 7:26
